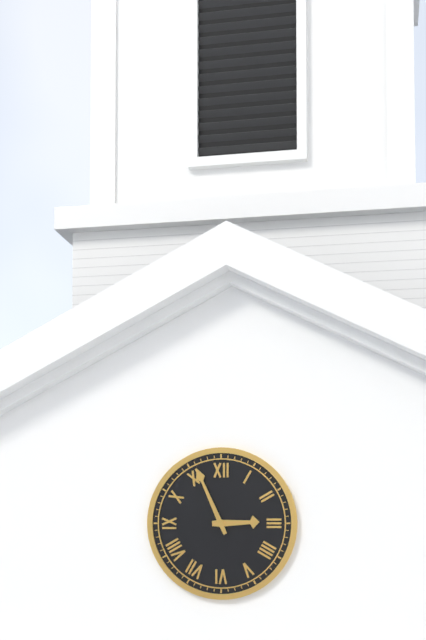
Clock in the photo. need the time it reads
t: 2:56
